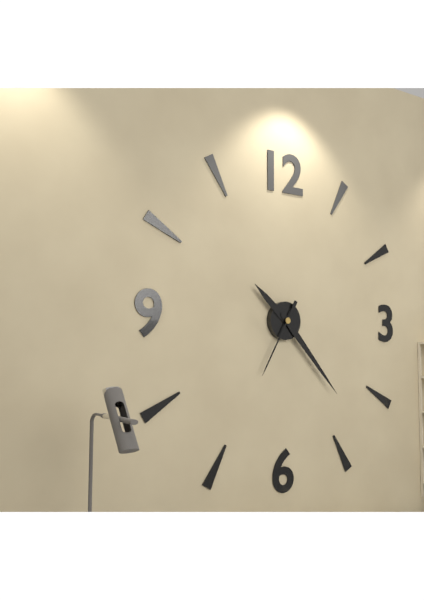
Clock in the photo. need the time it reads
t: 10:23:35
